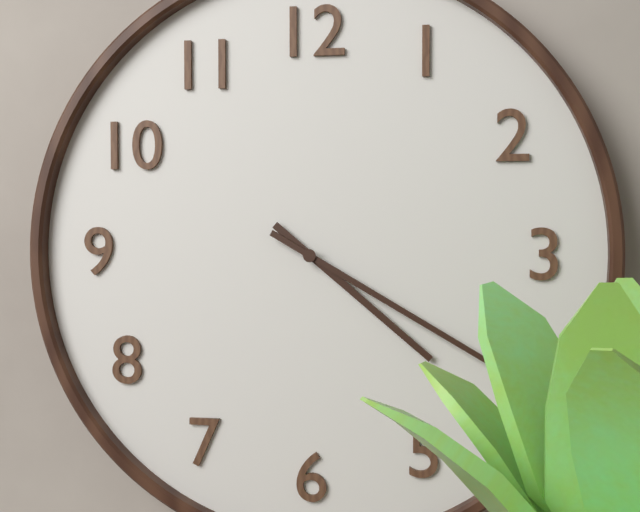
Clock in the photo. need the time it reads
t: 4:20
